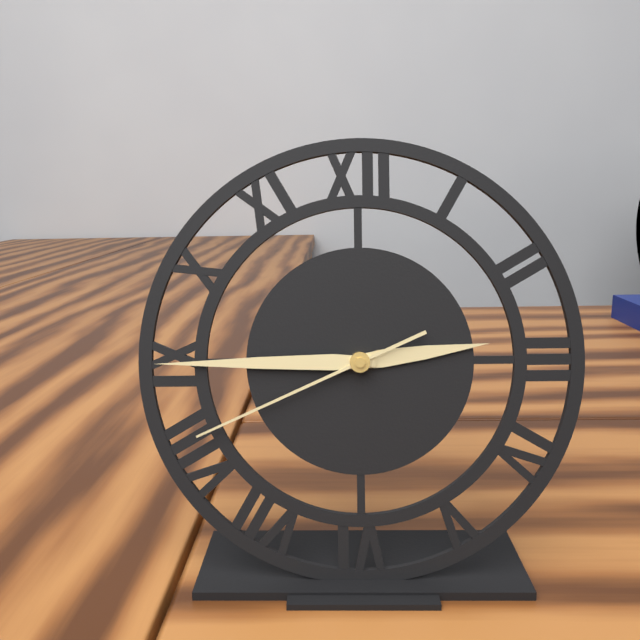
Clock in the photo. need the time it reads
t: 2:45:41
